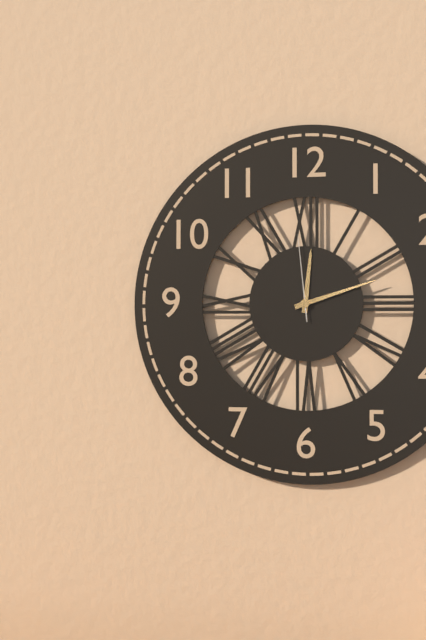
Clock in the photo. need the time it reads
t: 12:12:59
